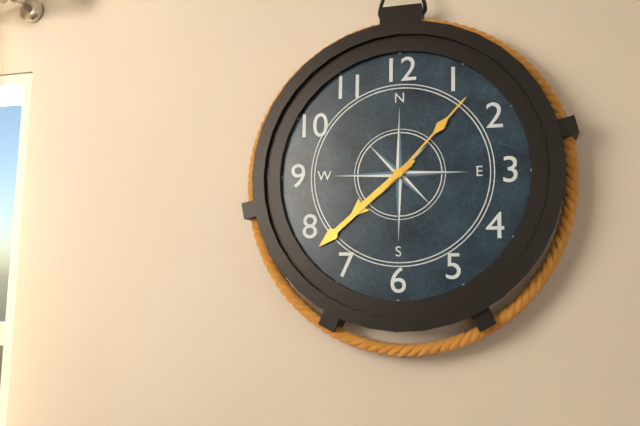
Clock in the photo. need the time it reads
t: 7:38:07
